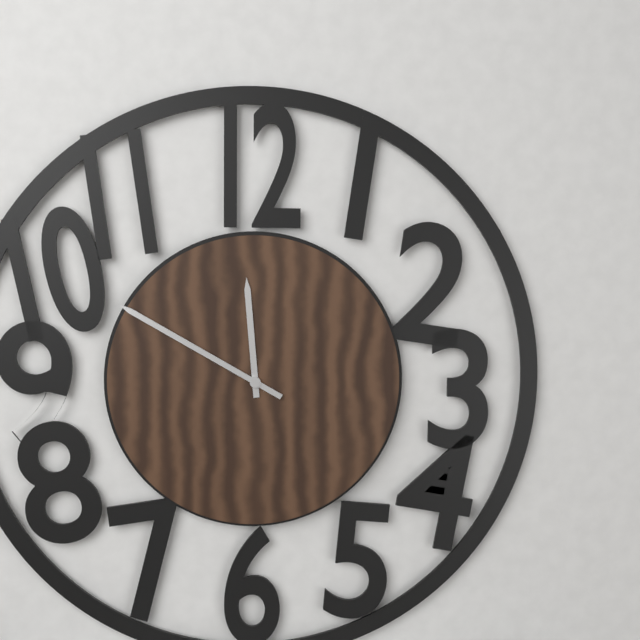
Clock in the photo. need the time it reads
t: 11:50
